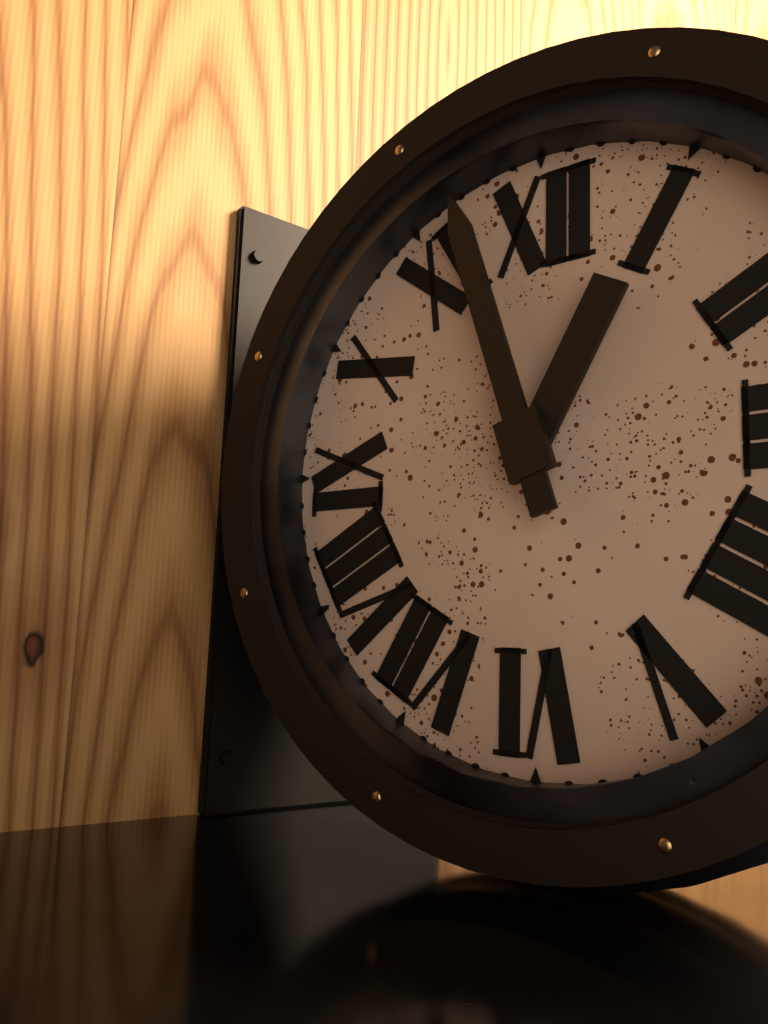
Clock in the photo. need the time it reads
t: 12:57
